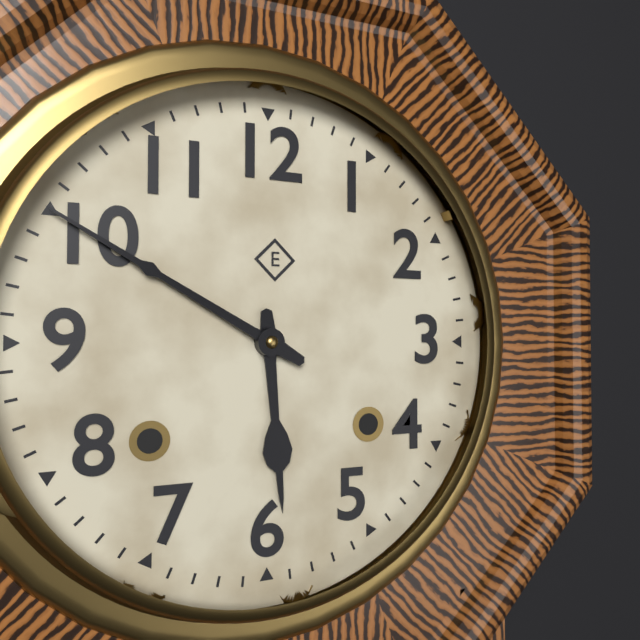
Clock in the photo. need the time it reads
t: 5:50
